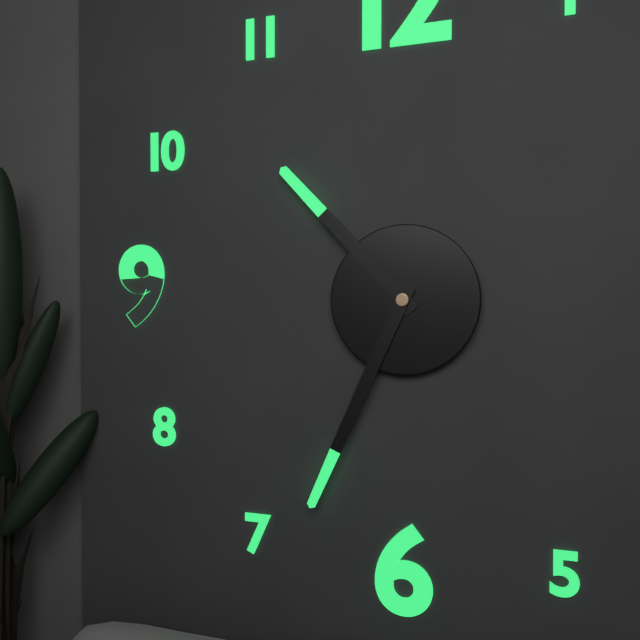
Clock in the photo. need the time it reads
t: 10:34
